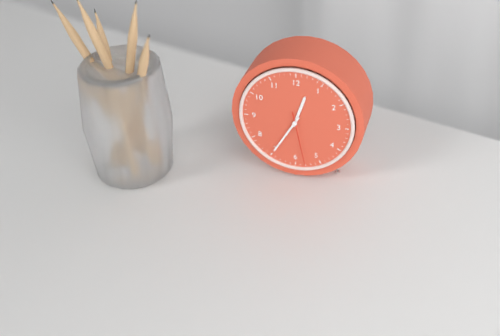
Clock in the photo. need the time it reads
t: 12:35:28
